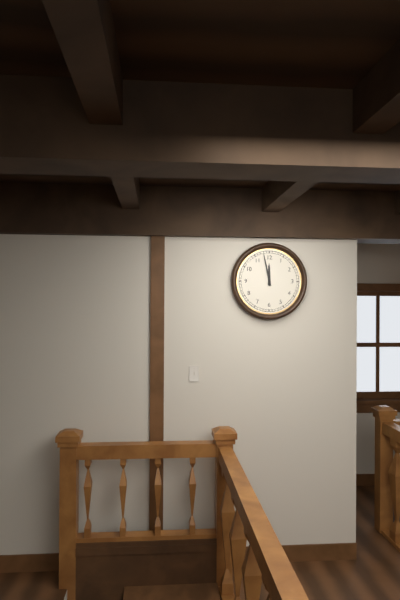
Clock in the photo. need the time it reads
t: 11:58
